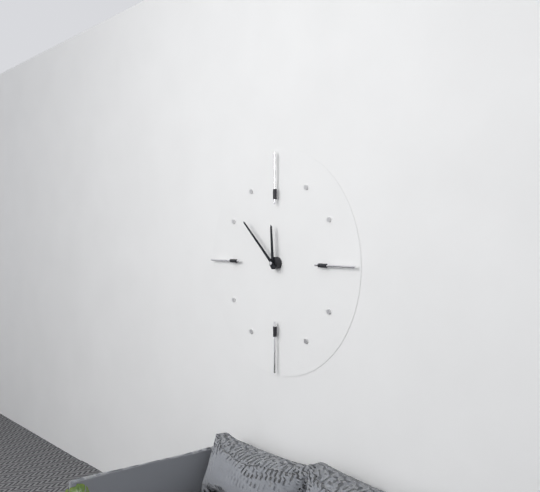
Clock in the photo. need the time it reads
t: 11:52
